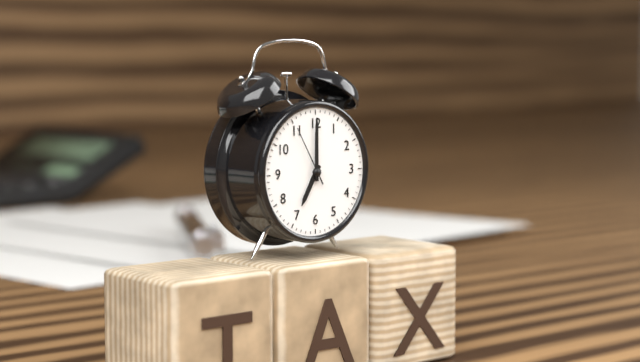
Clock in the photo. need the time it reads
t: 7:00:55
